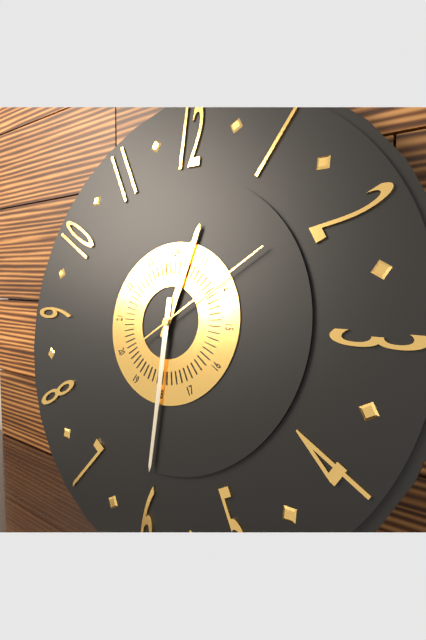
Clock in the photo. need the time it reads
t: 12:30:09
